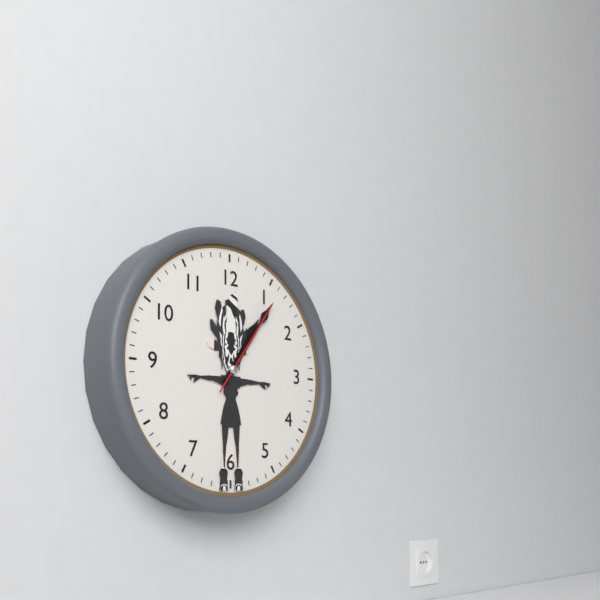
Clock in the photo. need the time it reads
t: 1:06:06
